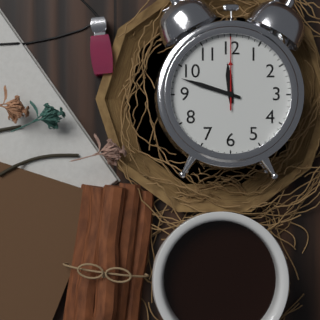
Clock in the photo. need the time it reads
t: 11:48:00
